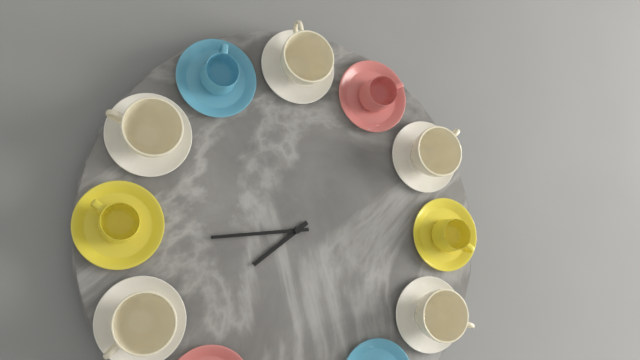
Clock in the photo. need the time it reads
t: 7:44
